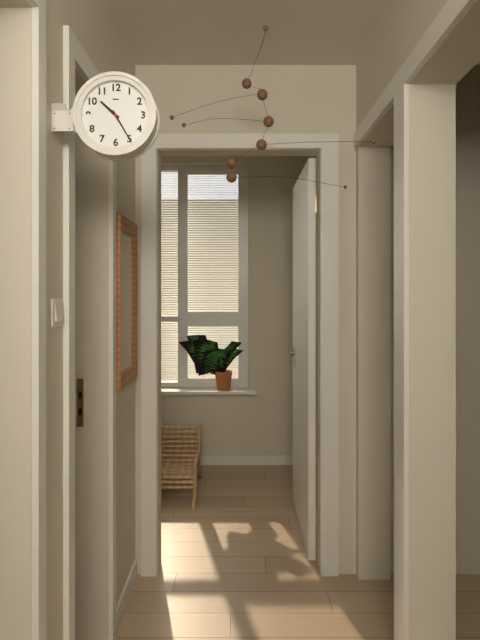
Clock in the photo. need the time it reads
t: 10:25
